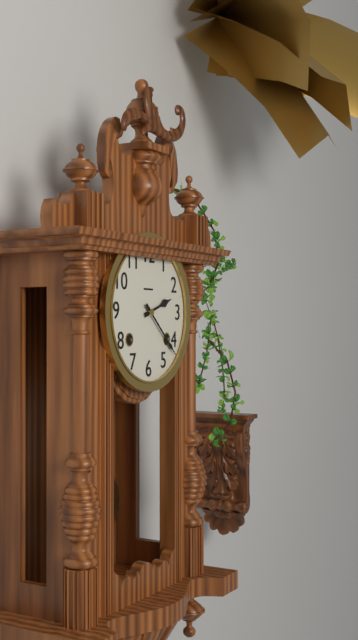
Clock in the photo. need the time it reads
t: 2:22
